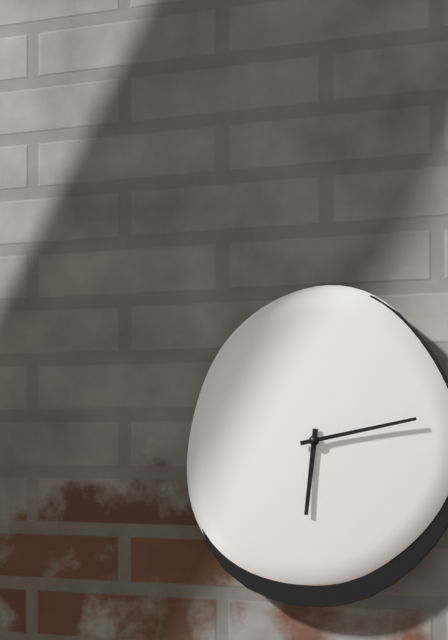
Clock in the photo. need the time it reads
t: 6:13
